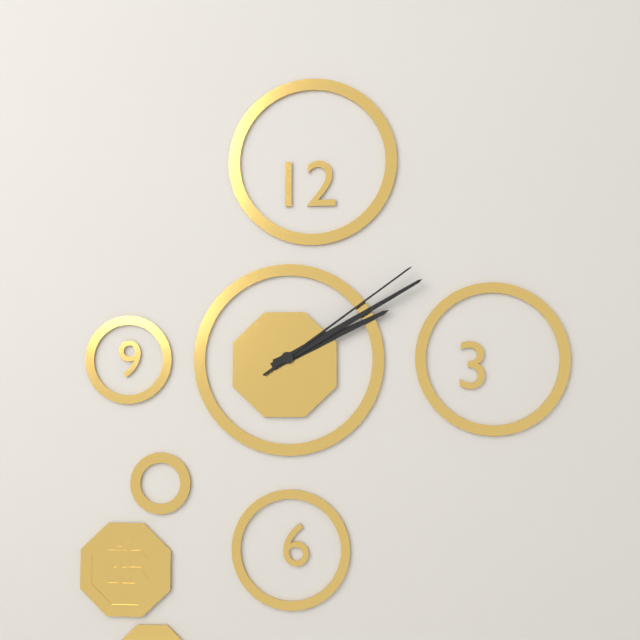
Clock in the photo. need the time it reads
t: 2:10:09
